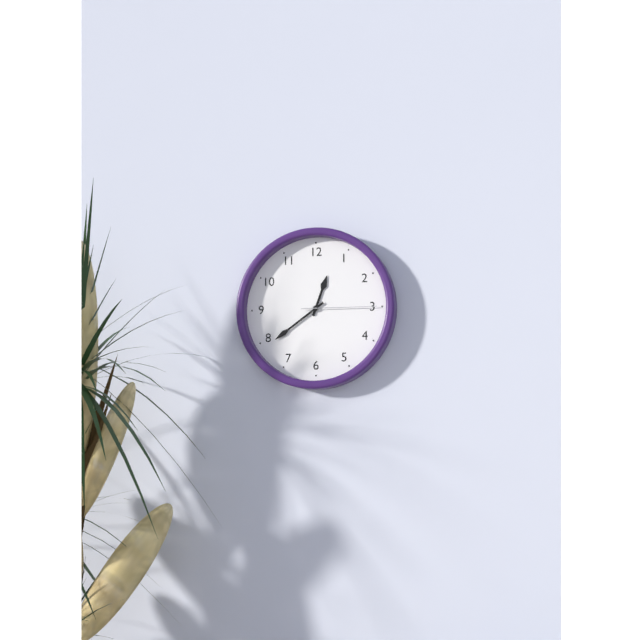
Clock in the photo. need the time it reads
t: 12:39:15
